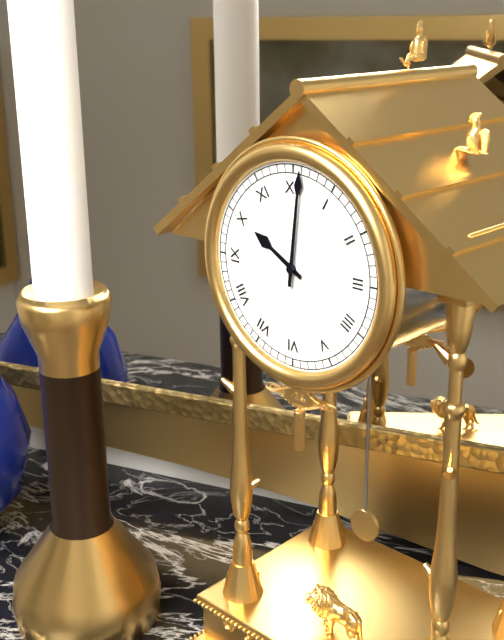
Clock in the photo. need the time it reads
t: 10:01
